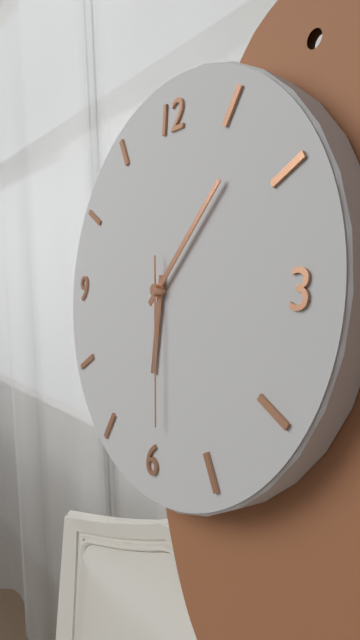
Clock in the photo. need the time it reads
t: 6:07:29
